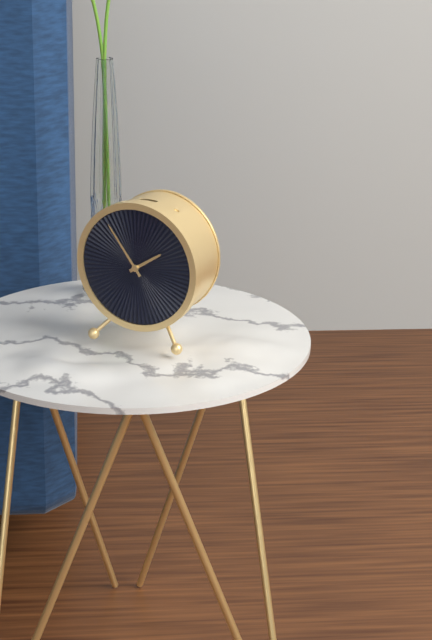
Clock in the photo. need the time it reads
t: 1:54
